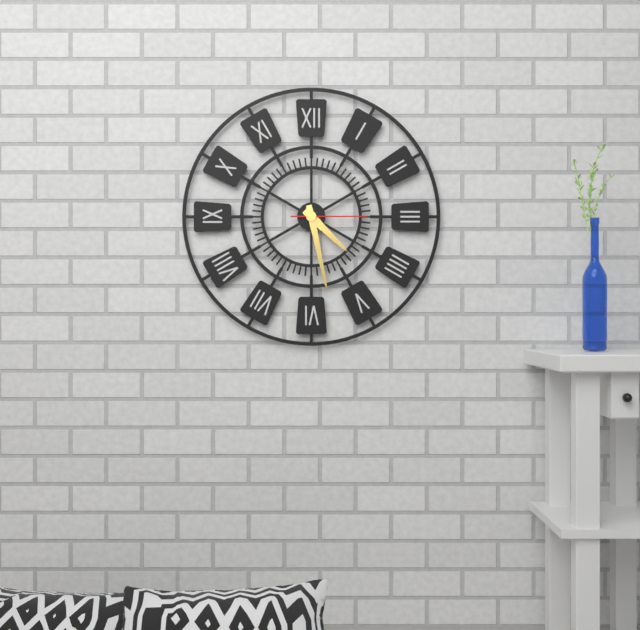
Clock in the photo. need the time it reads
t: 4:28:15
